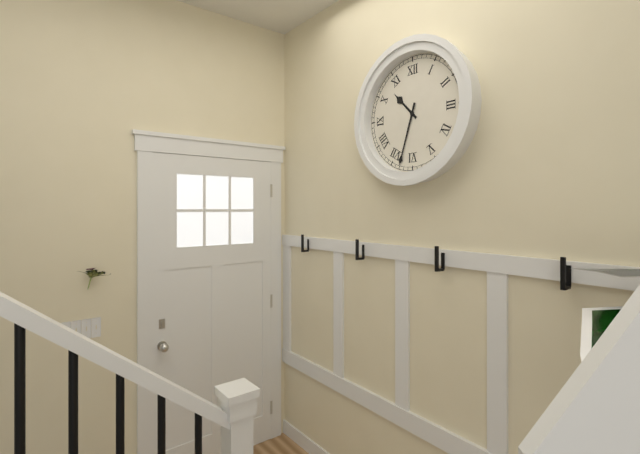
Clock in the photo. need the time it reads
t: 10:33
